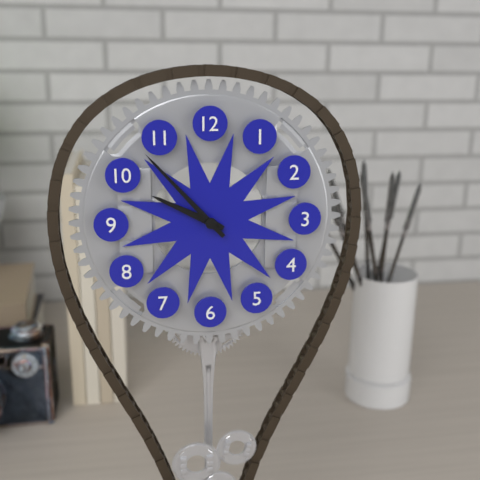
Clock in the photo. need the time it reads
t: 9:53
